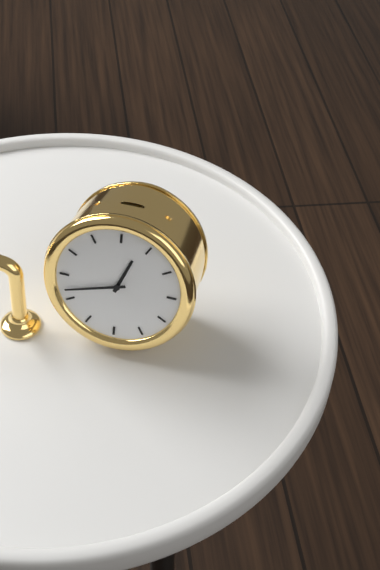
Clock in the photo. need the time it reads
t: 12:42
